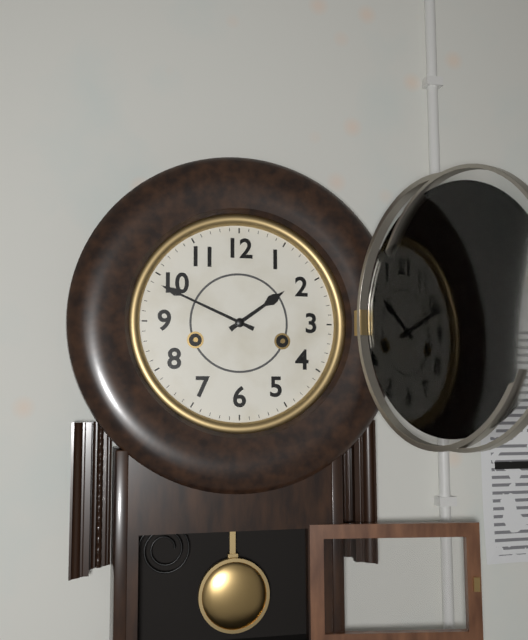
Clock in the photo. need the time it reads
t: 1:49
